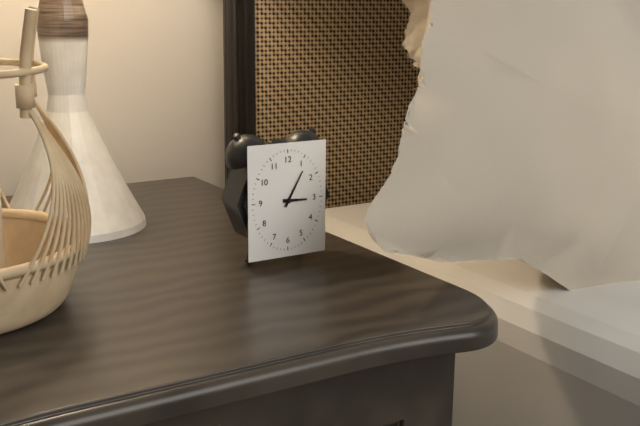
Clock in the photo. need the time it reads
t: 3:05
